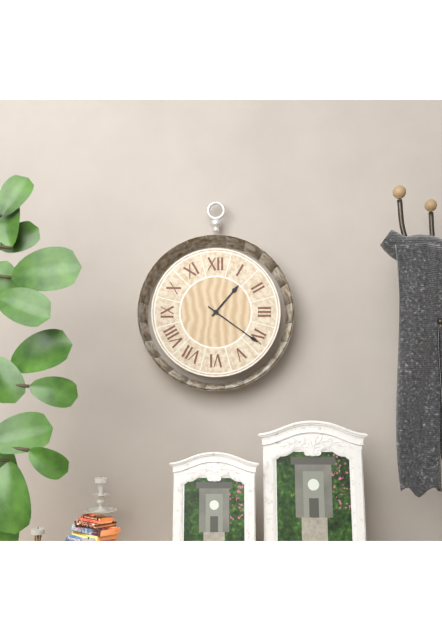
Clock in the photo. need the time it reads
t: 1:21
